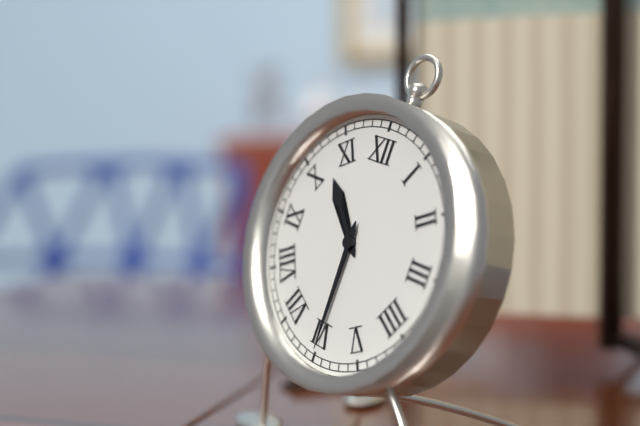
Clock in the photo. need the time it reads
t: 10:30
